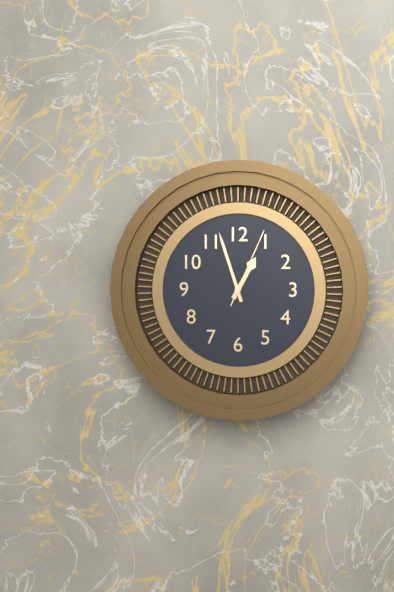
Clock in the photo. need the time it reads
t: 12:57:04
